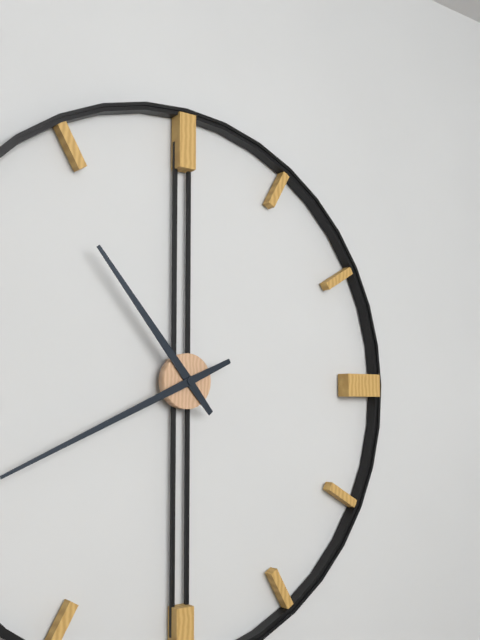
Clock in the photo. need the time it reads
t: 10:41
